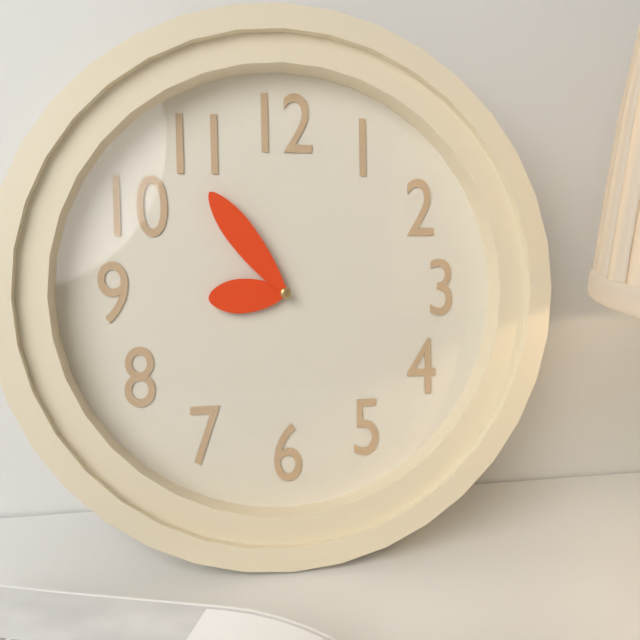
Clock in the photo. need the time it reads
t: 8:54
